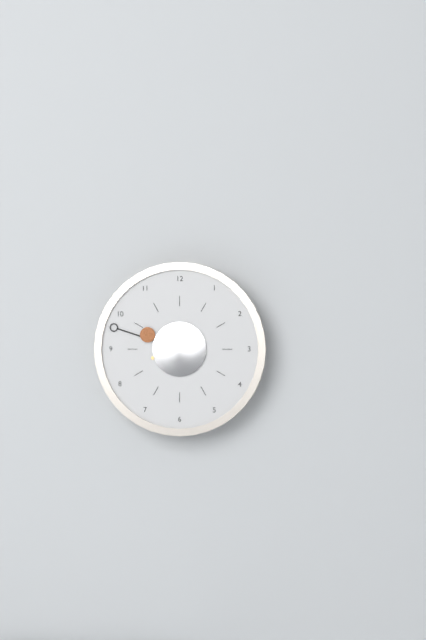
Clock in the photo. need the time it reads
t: 9:48
